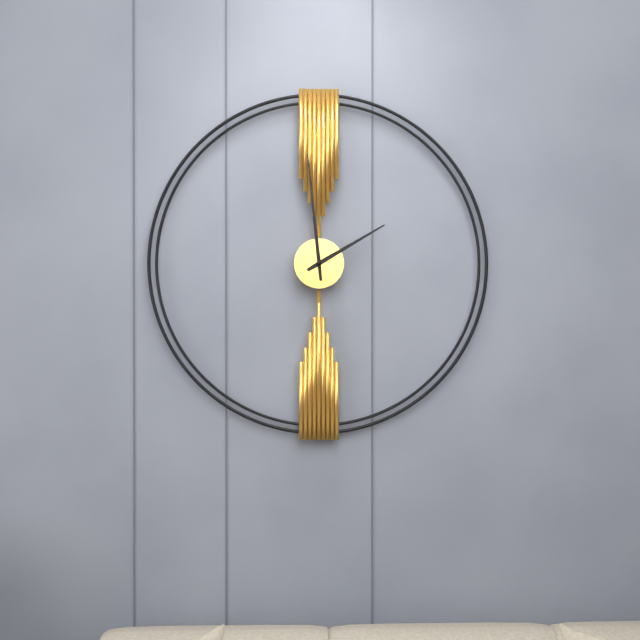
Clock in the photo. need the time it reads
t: 1:59
